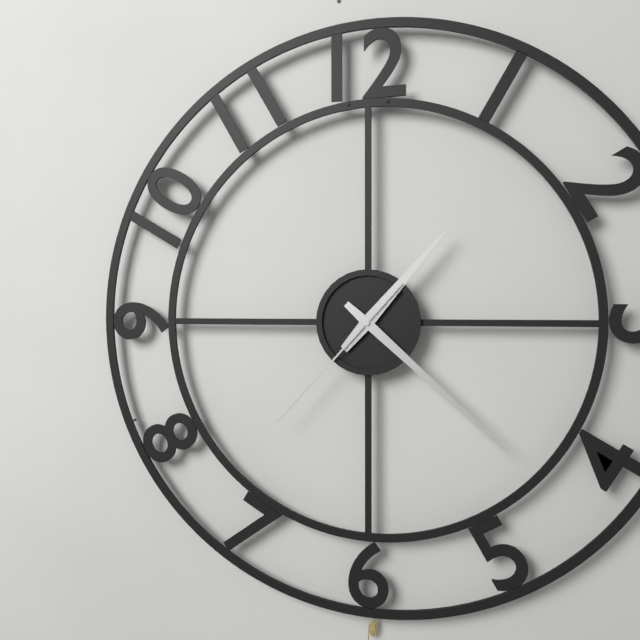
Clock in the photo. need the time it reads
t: 1:22:37
